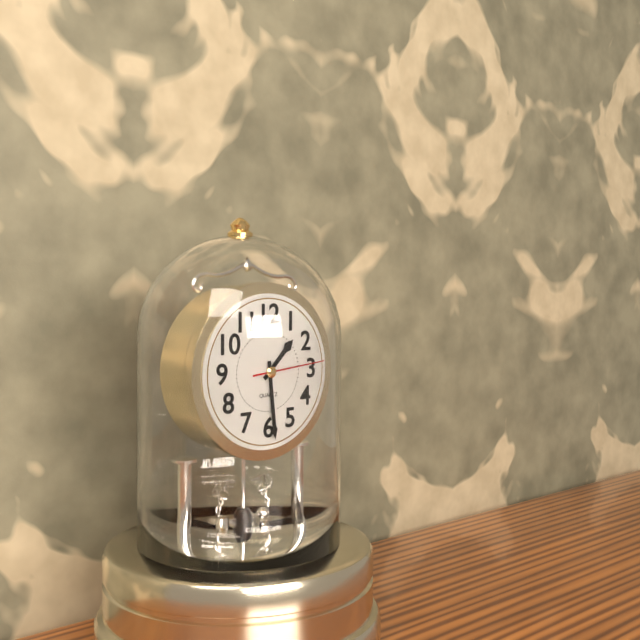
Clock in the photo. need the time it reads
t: 1:29:14
